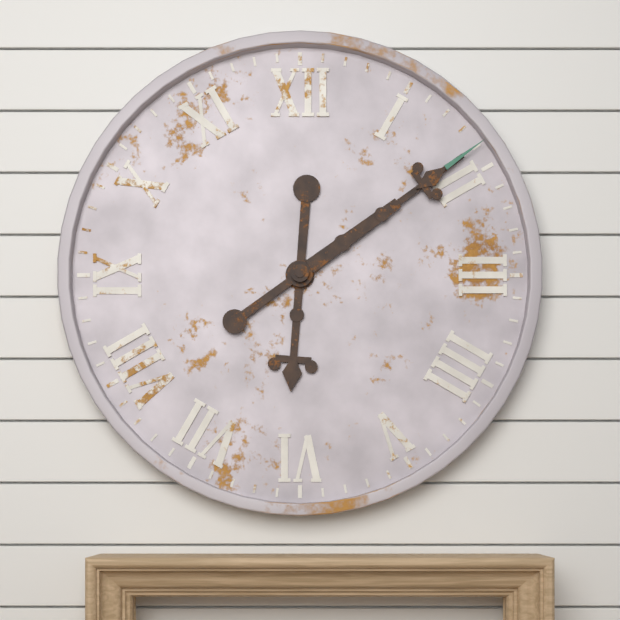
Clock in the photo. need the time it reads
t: 6:09
